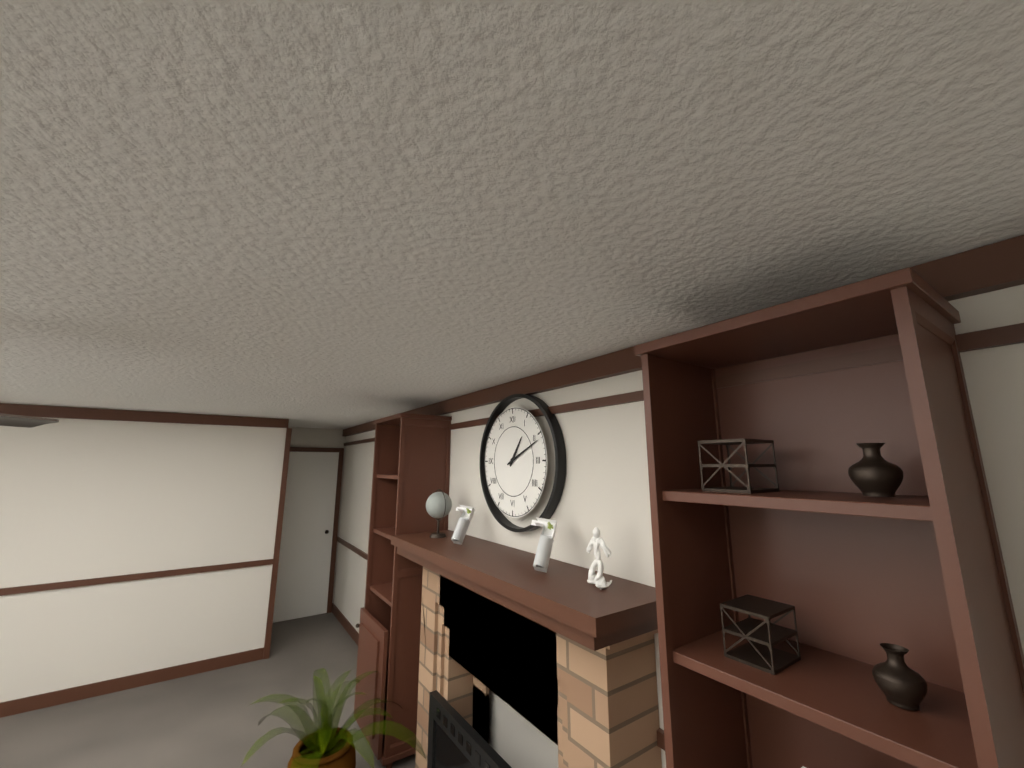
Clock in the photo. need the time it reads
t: 1:11
